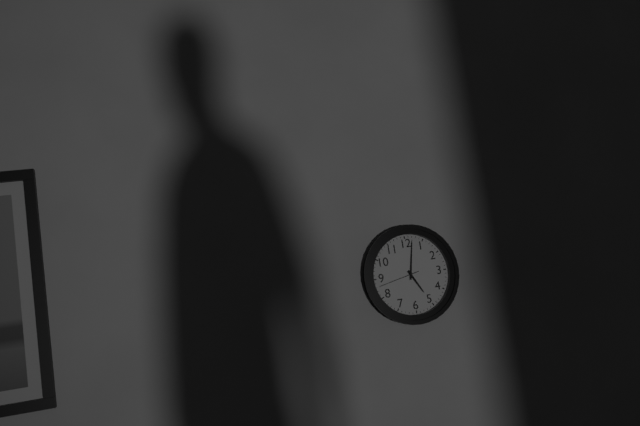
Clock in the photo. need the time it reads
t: 5:02
